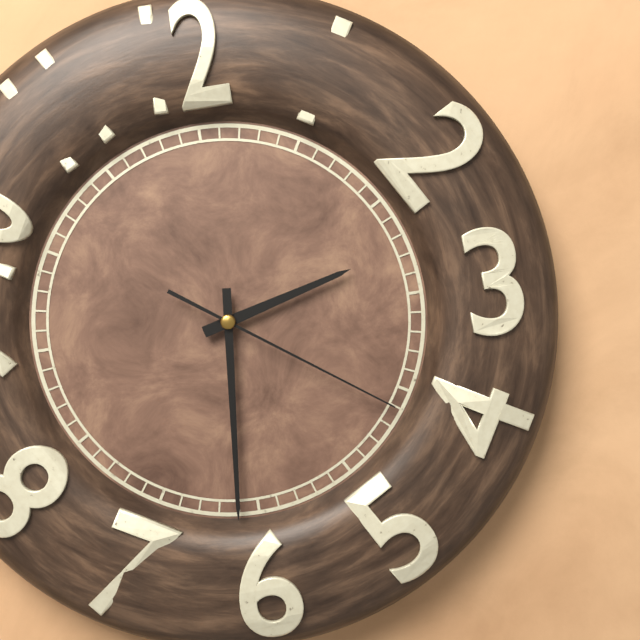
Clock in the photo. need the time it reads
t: 2:31:21
